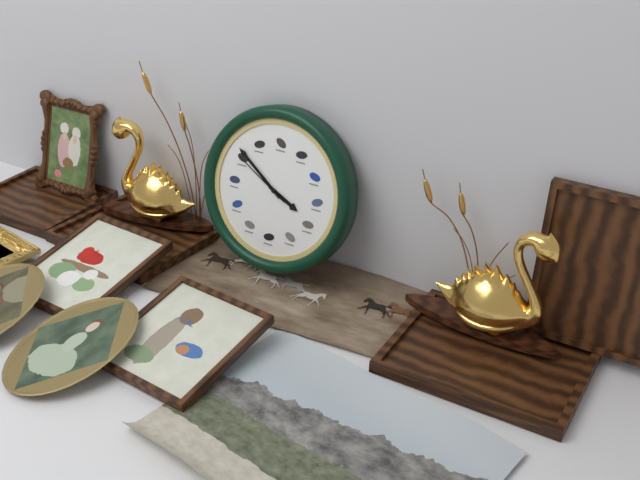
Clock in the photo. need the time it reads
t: 3:51:50
